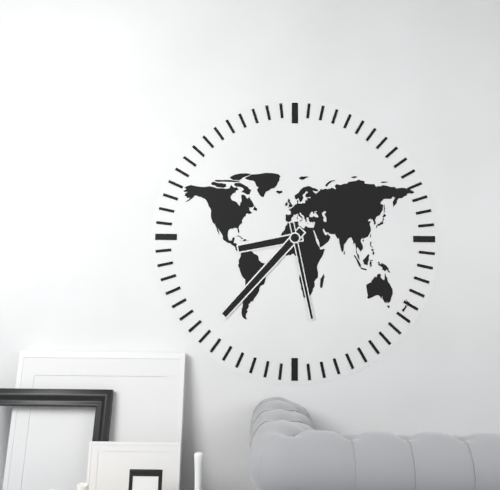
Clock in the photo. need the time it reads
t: 8:37:28
